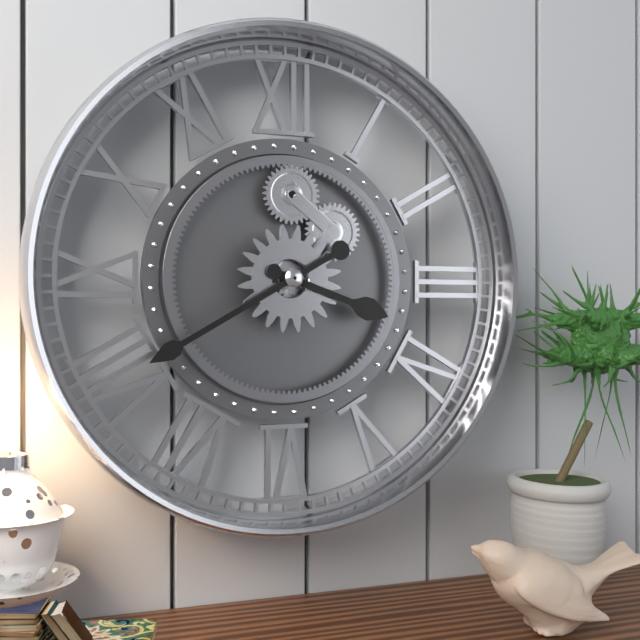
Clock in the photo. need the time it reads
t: 3:40
